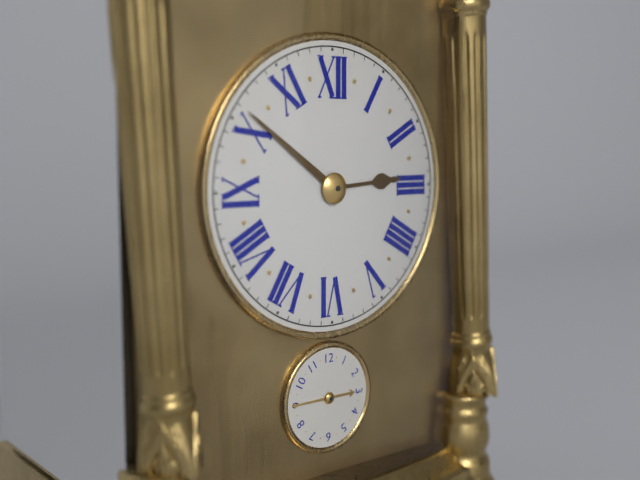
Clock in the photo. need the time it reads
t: 2:51
